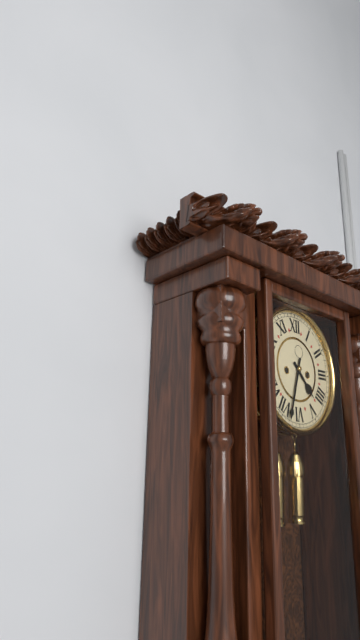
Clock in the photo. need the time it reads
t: 4:33
